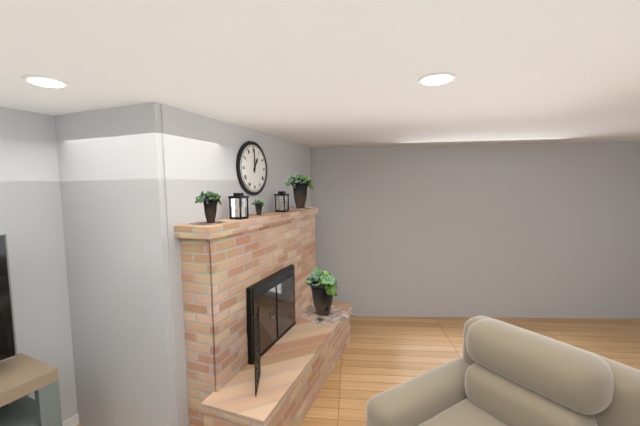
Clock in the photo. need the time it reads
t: 1:00
